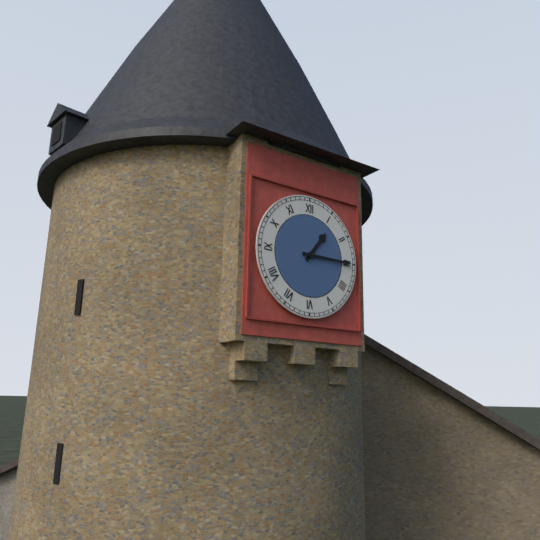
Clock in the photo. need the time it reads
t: 1:15
